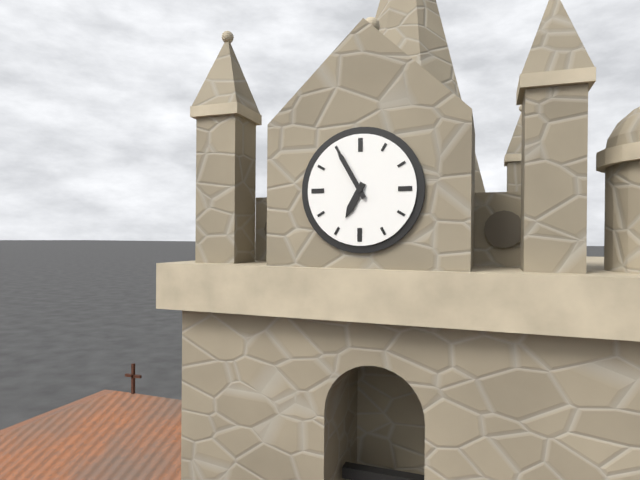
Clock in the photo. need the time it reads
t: 6:55
